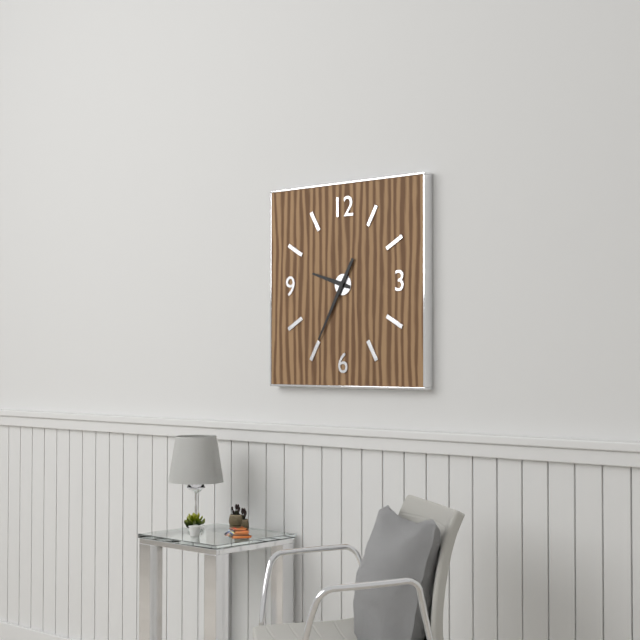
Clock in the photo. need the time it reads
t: 9:35
